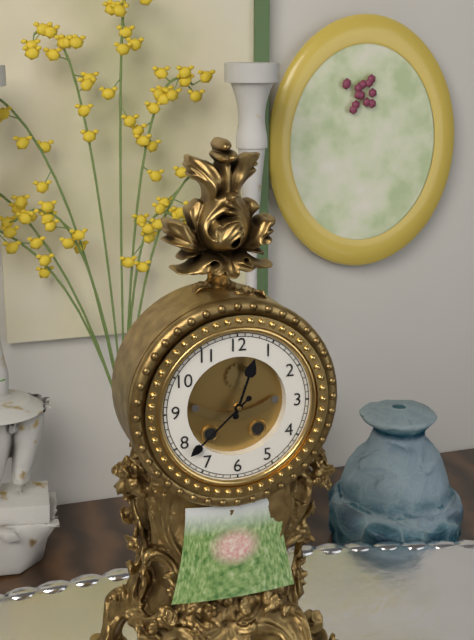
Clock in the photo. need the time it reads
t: 12:38
